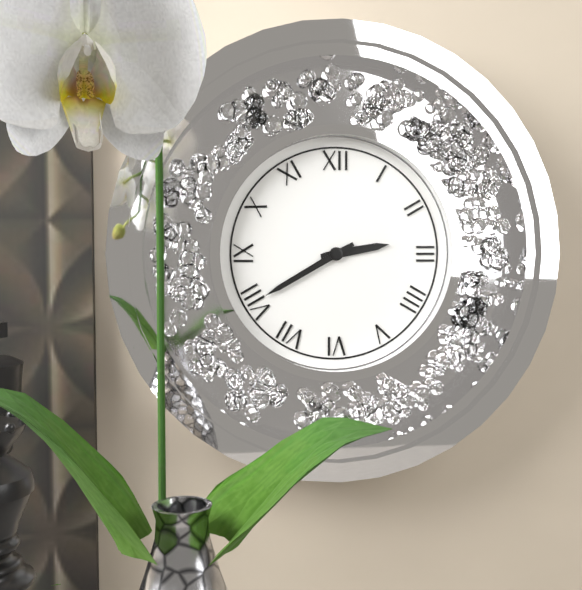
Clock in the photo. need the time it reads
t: 2:40
